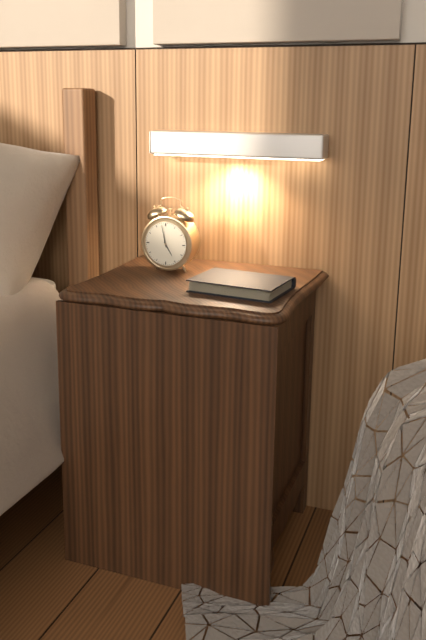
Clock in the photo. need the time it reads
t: 4:58
